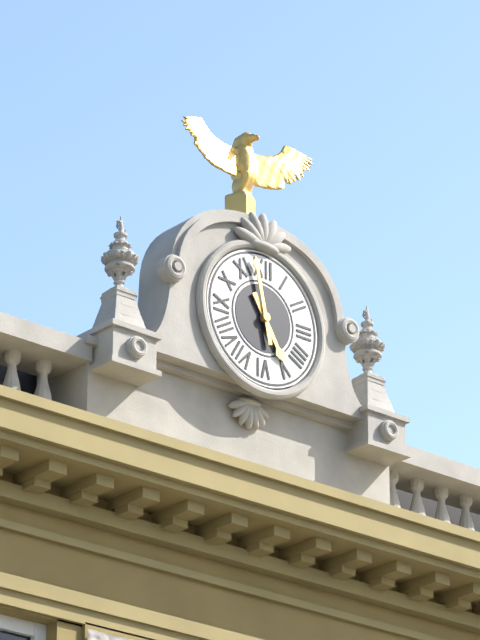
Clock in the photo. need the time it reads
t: 4:58
